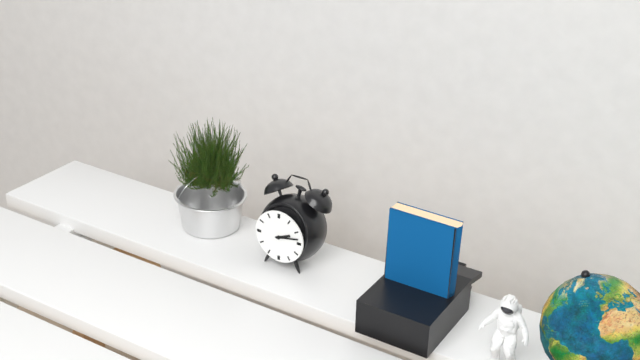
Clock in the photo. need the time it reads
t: 2:13
